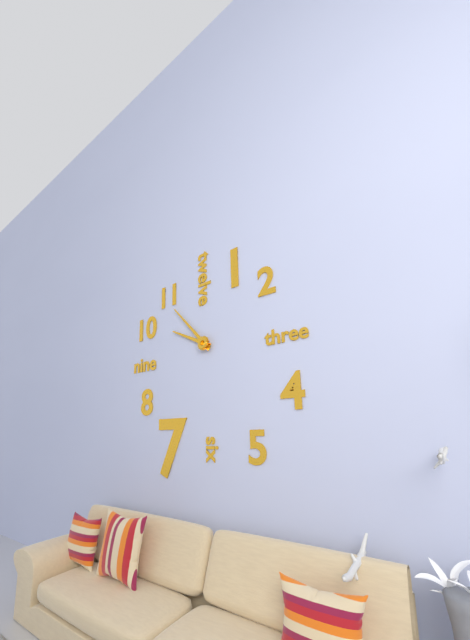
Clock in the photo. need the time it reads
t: 9:53
